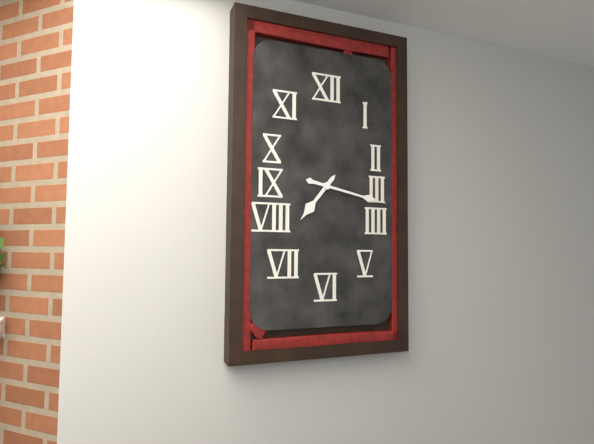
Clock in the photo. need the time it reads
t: 7:17
